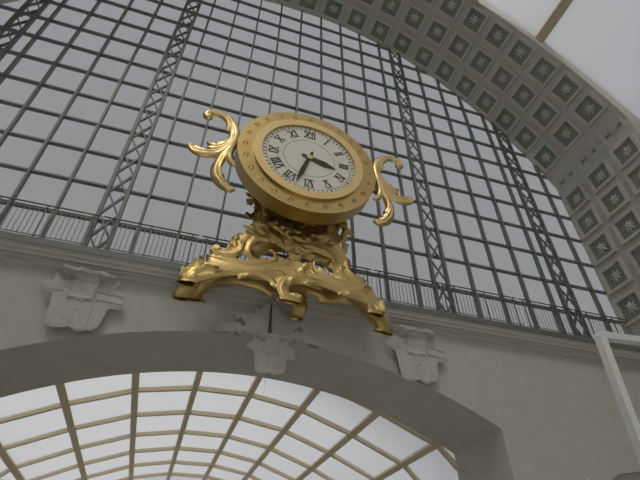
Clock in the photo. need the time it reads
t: 3:33
